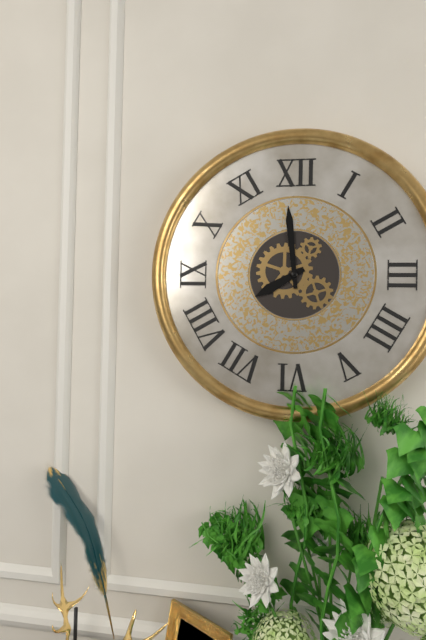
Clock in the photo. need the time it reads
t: 7:59
